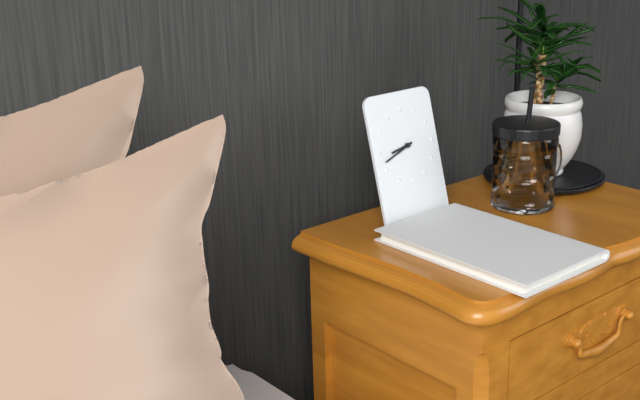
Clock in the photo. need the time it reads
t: 8:42
